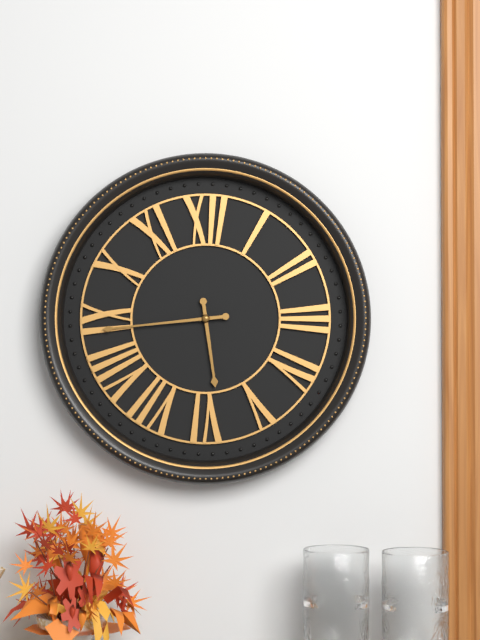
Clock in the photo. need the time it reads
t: 5:44
